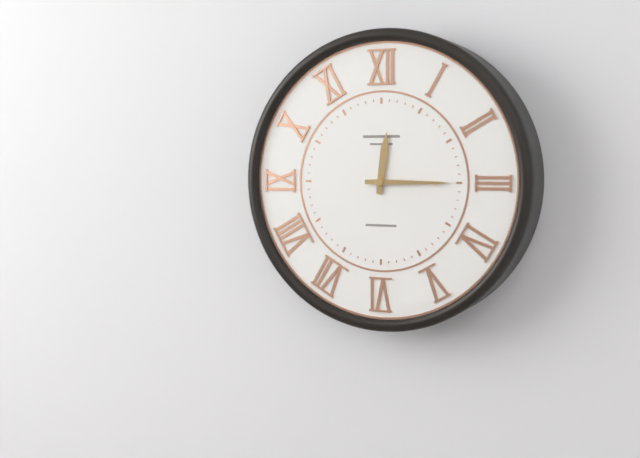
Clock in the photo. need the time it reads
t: 12:15
